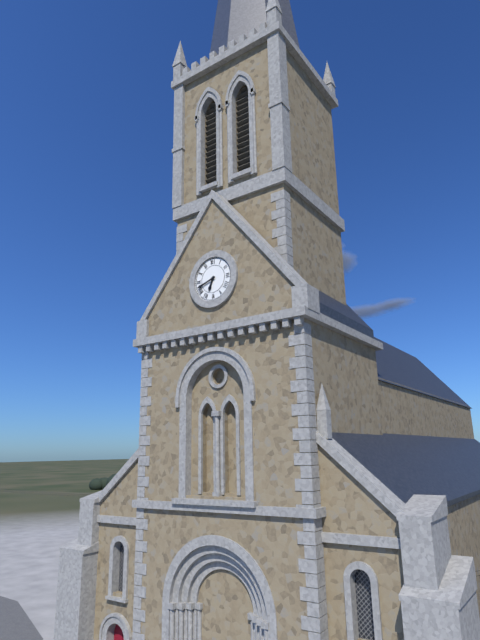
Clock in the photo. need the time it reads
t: 6:42
